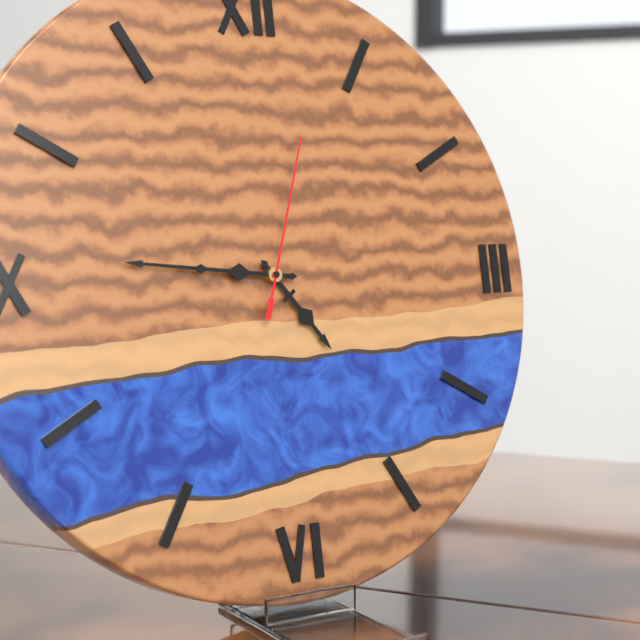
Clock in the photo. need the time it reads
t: 4:46:03
